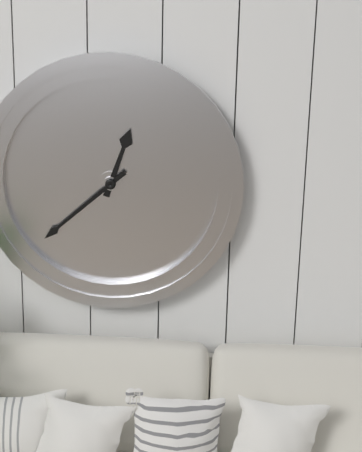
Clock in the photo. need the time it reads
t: 12:38
